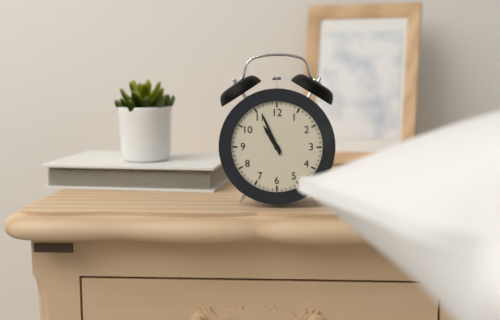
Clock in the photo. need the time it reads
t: 10:56
